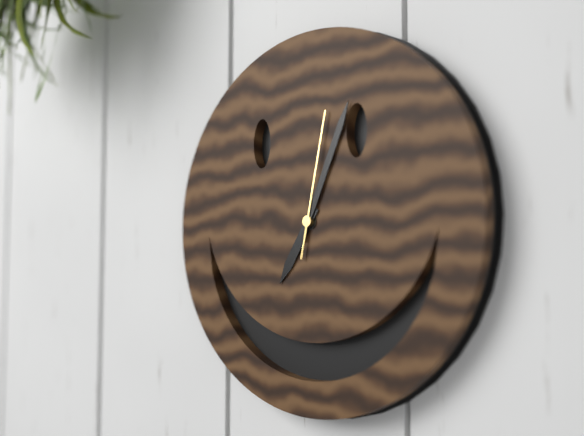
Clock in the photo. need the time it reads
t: 7:04:02
